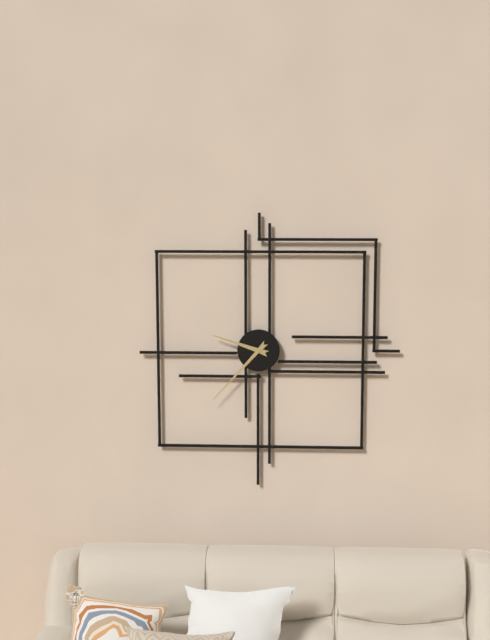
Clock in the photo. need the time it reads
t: 9:37
